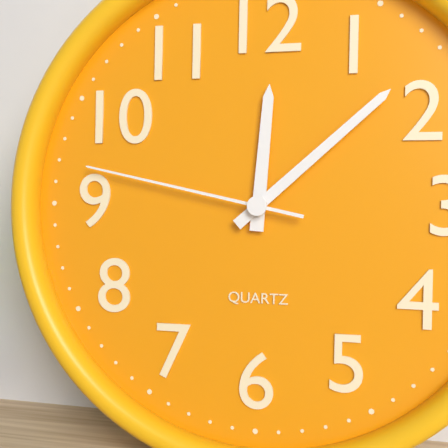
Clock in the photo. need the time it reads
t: 12:08:47
